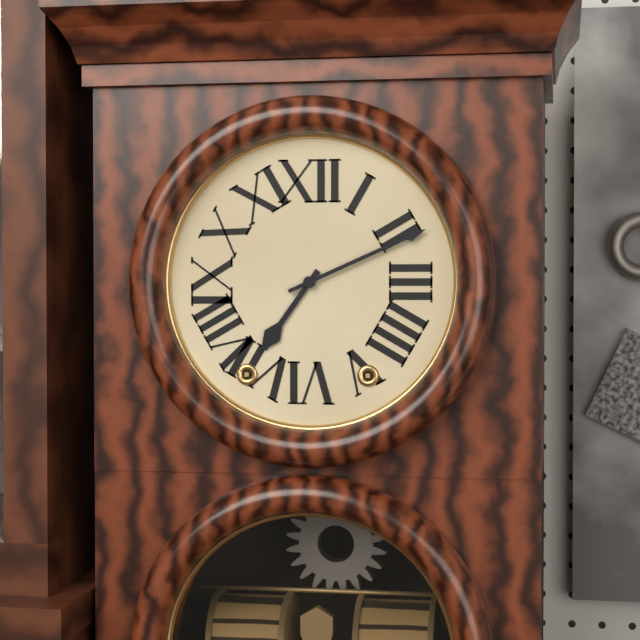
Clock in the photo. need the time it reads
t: 7:11
